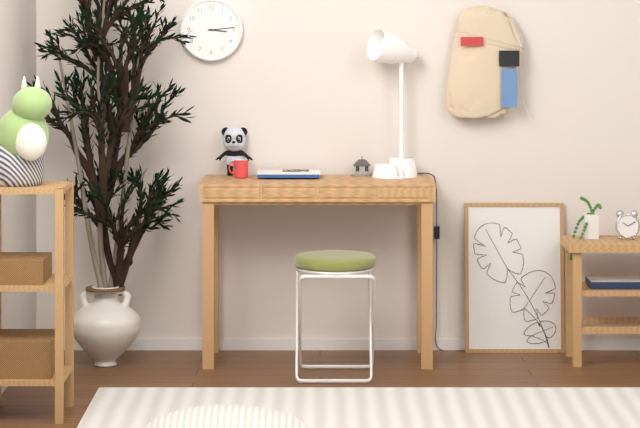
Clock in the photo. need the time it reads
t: 3:14
